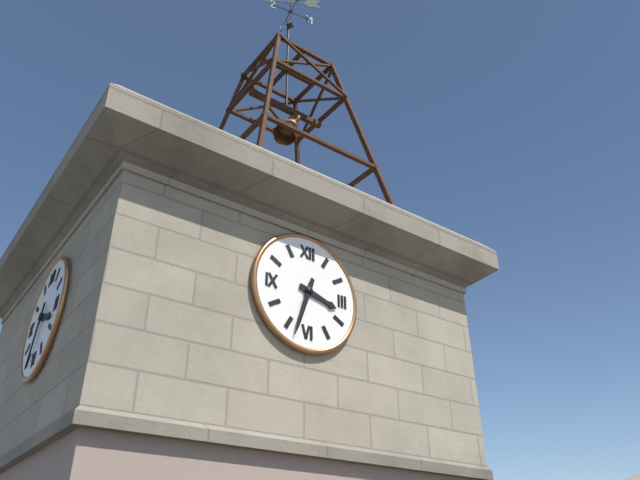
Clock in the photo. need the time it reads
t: 3:33
